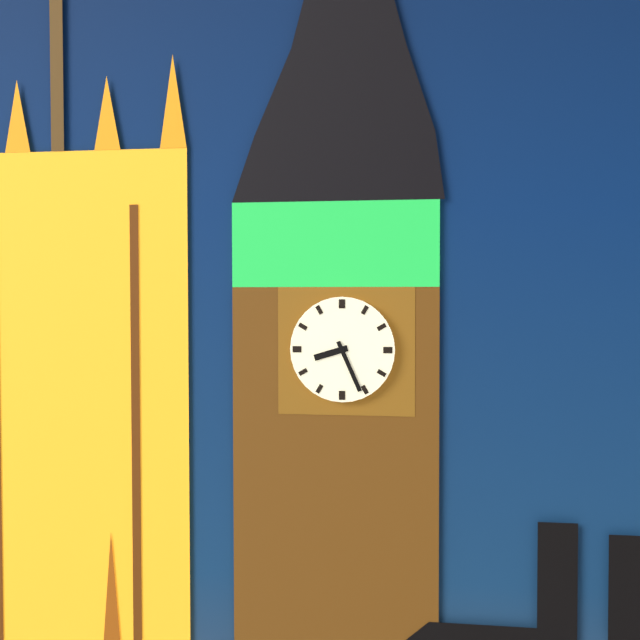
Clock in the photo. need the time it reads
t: 8:26
